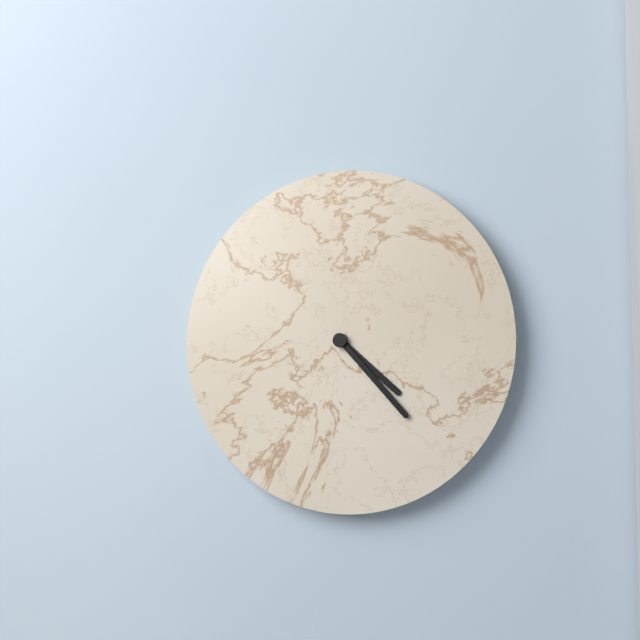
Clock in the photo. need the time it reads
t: 4:23
